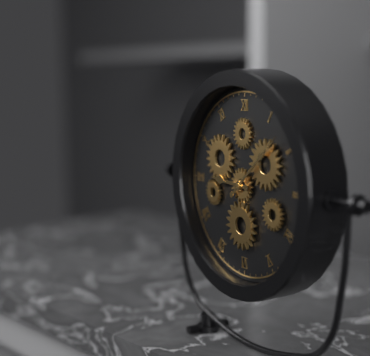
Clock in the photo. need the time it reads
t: 9:08
